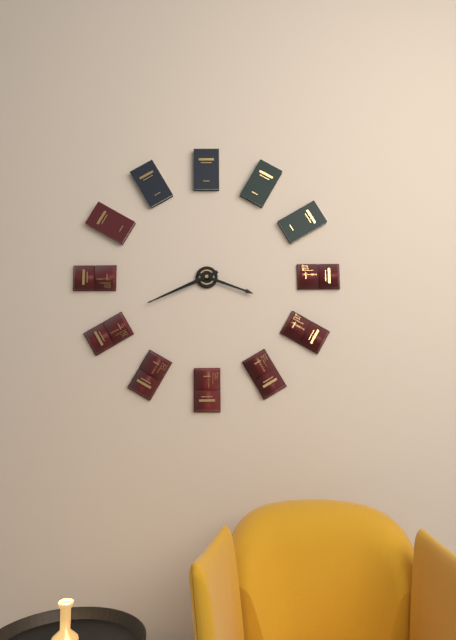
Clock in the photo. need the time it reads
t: 3:41
